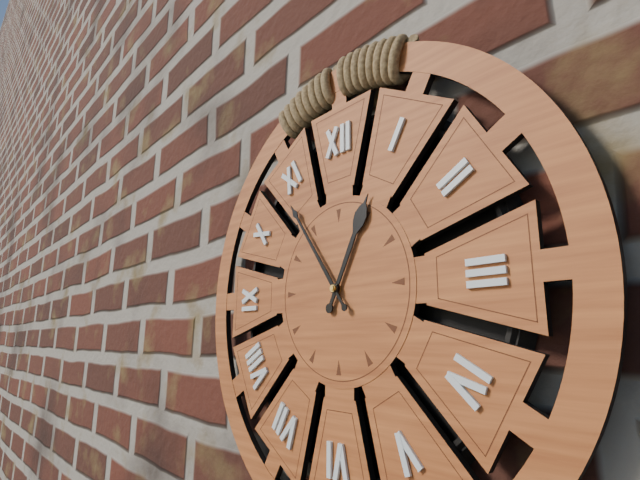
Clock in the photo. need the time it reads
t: 12:54
